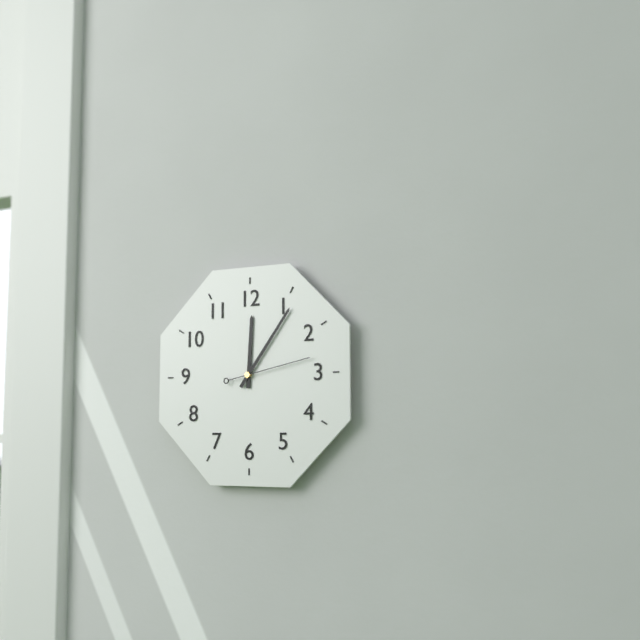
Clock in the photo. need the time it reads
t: 12:06:13
